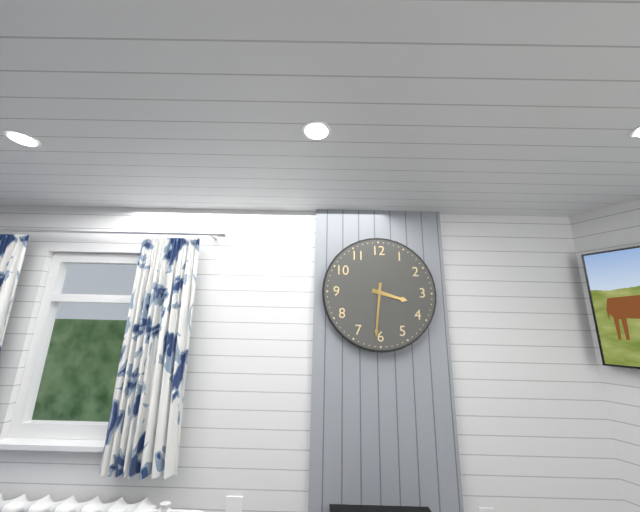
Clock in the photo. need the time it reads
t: 3:31
